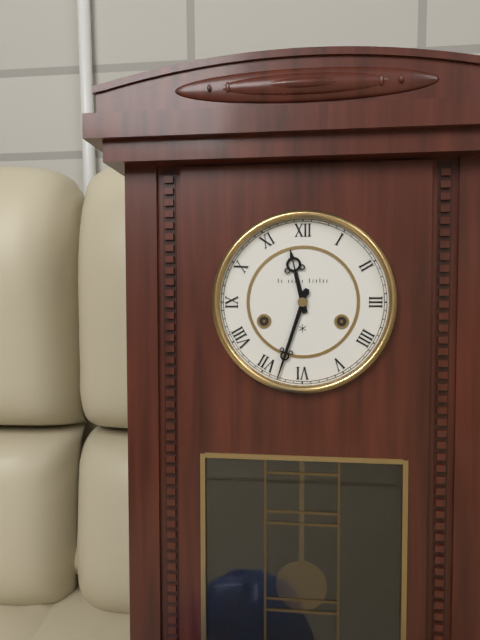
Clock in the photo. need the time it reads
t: 11:33
